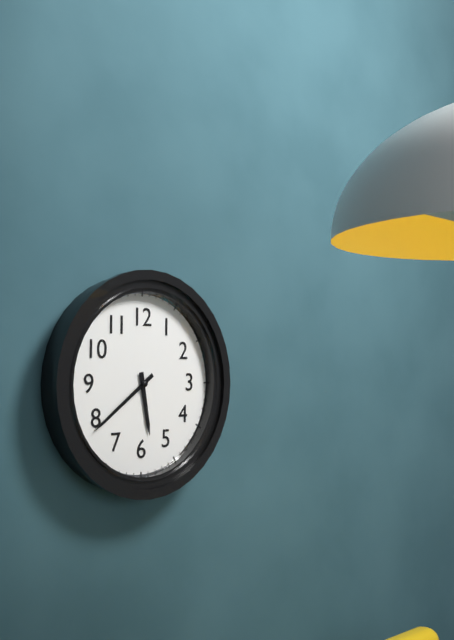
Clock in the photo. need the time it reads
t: 5:39
